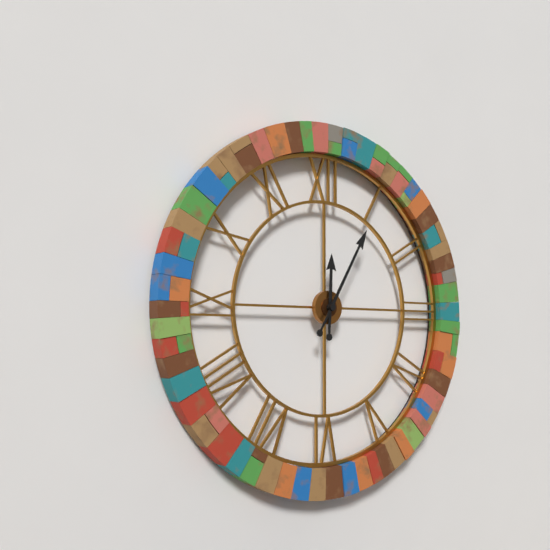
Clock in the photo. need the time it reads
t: 12:05
